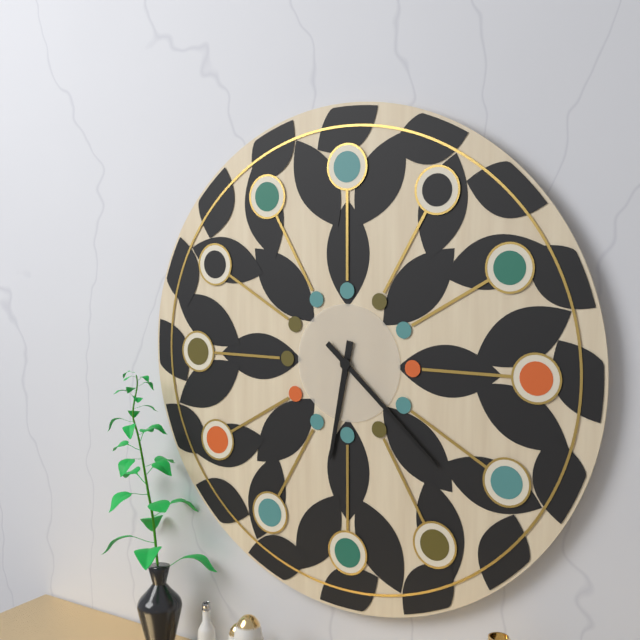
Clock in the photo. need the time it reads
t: 6:22
